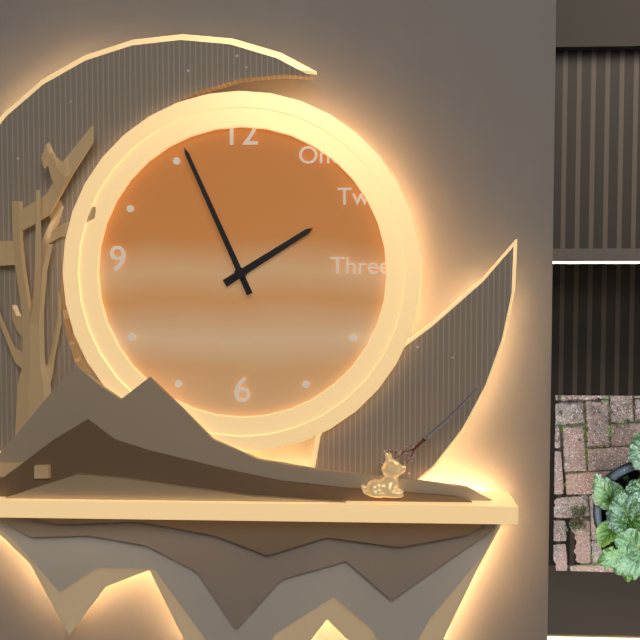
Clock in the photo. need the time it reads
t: 1:56
